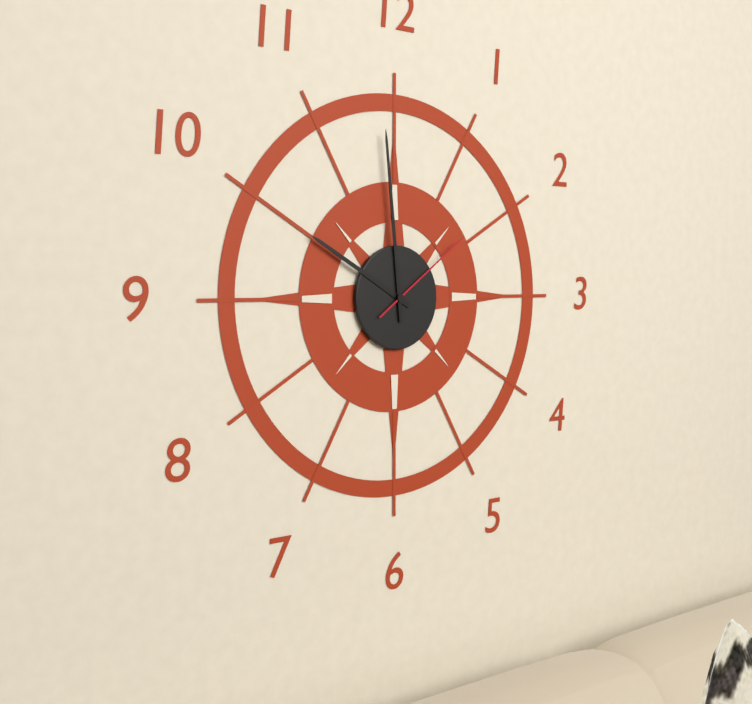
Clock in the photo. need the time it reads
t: 9:59:09
